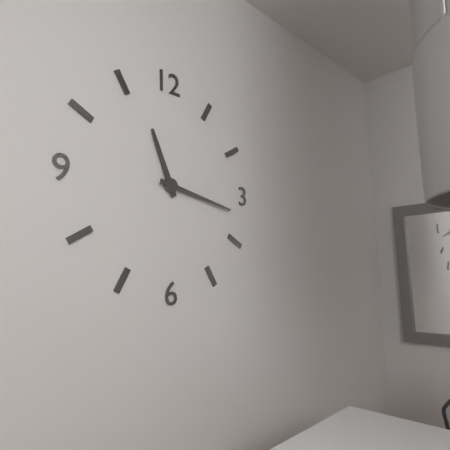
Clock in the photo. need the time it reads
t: 11:17
